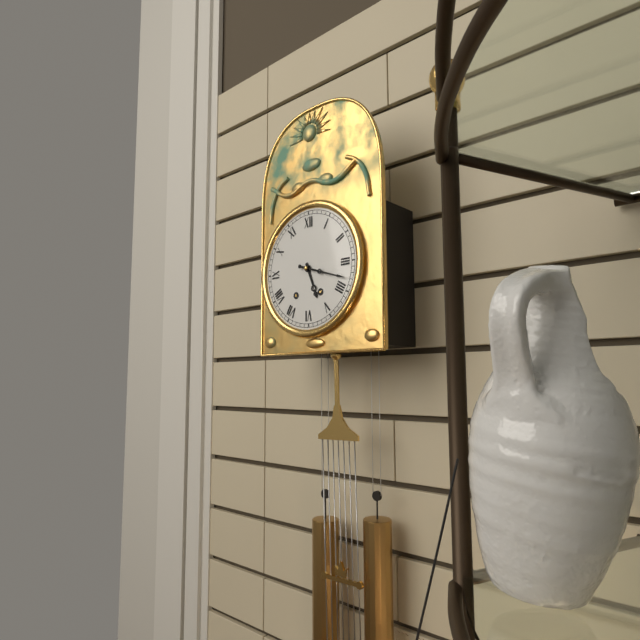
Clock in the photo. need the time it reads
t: 5:18
